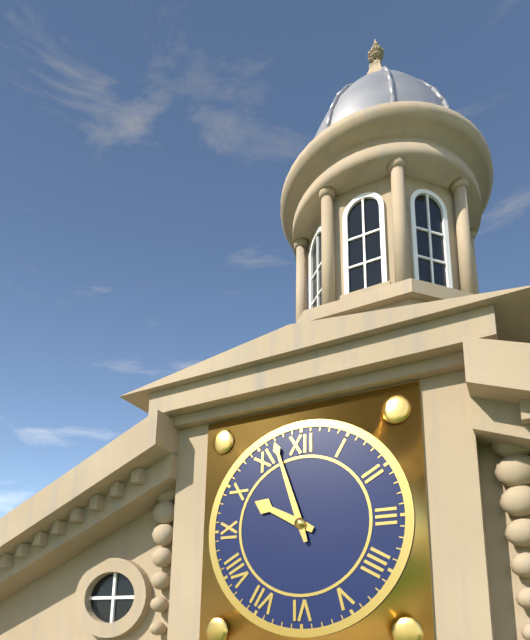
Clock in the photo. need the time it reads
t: 9:57
